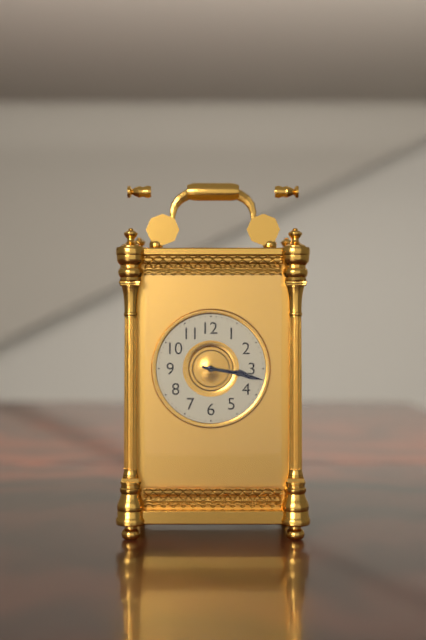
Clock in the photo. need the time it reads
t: 3:17
